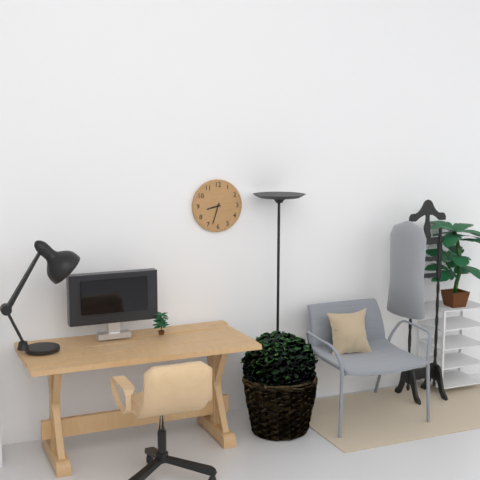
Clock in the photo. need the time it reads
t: 8:33
